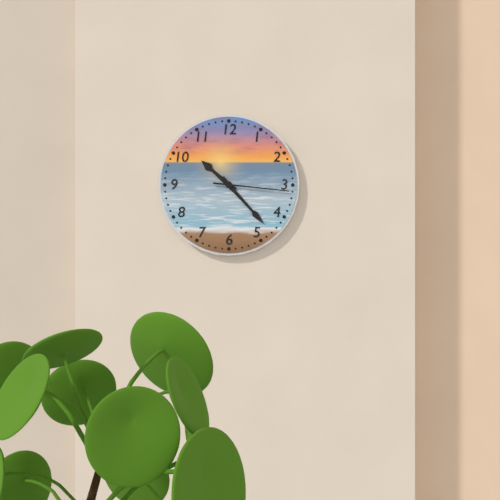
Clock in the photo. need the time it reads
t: 10:23:16
